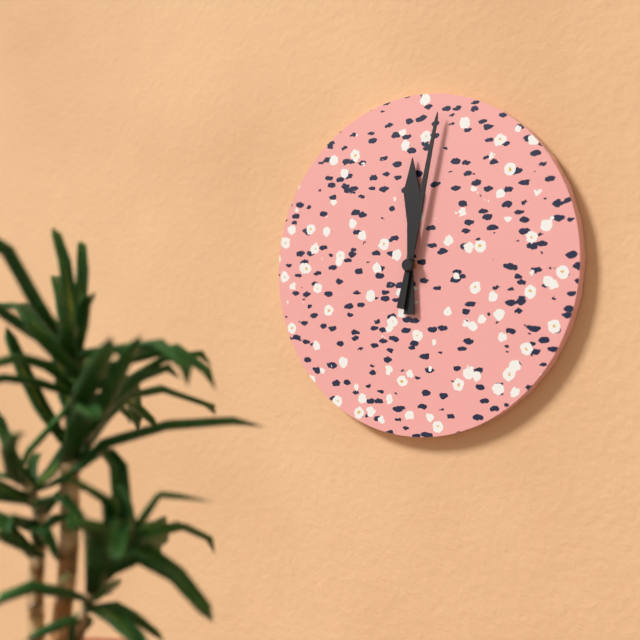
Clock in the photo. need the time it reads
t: 12:02
